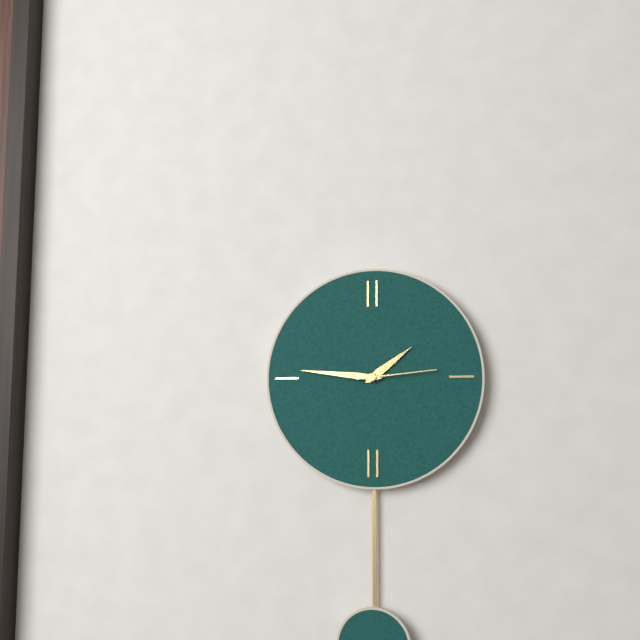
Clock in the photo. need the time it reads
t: 1:46:14
